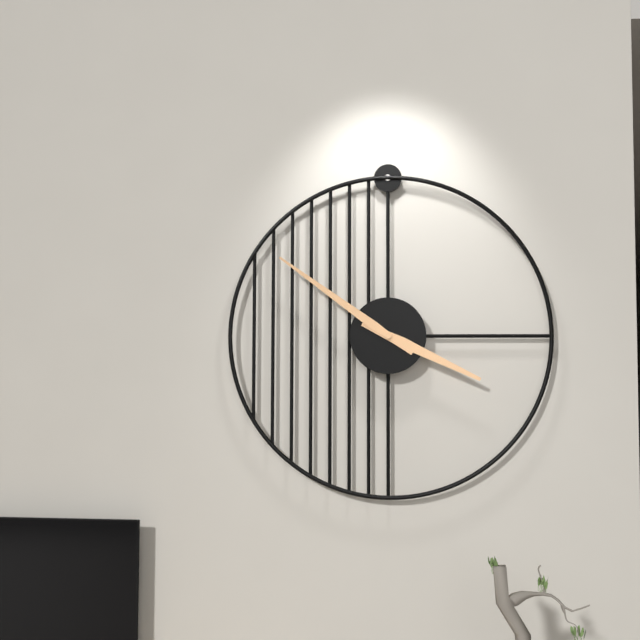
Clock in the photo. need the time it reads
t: 3:51
